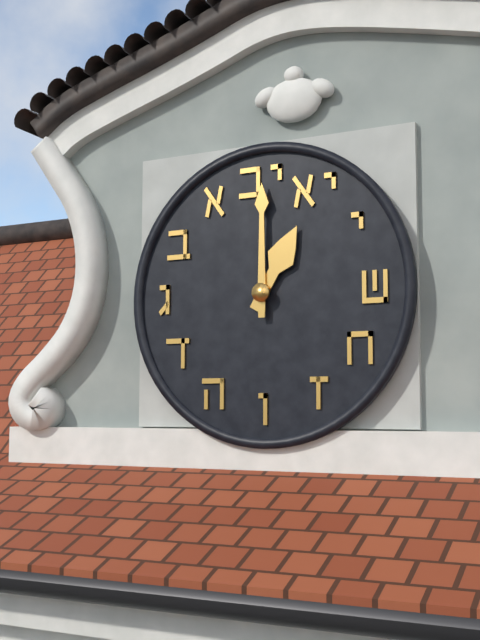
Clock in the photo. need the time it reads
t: 1:00
